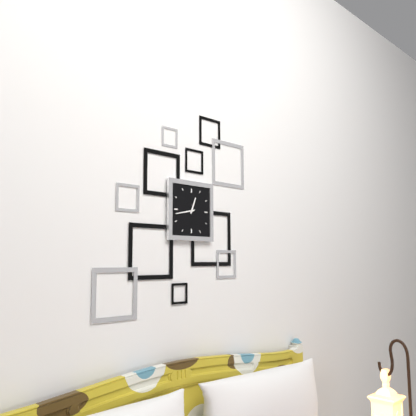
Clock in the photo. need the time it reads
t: 12:43
